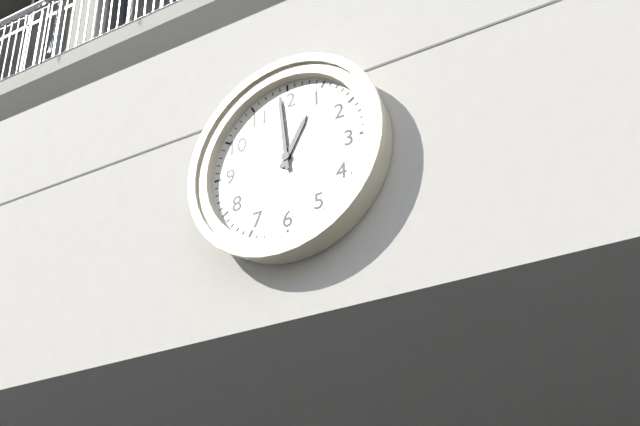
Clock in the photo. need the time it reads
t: 12:59
